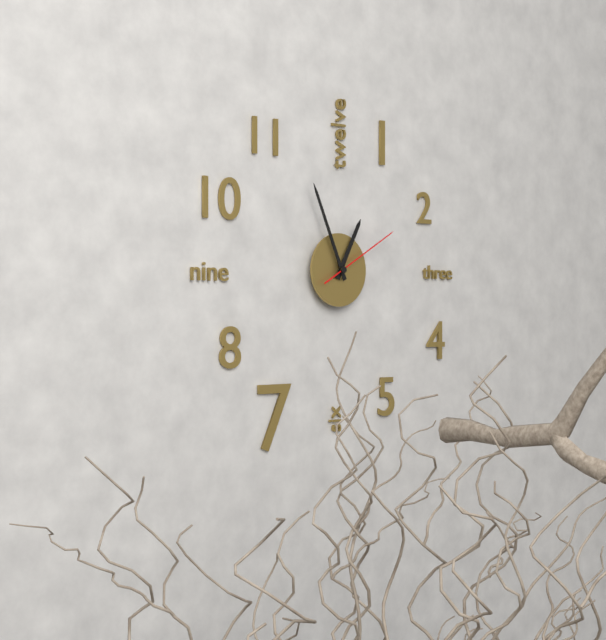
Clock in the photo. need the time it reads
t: 12:56:10
